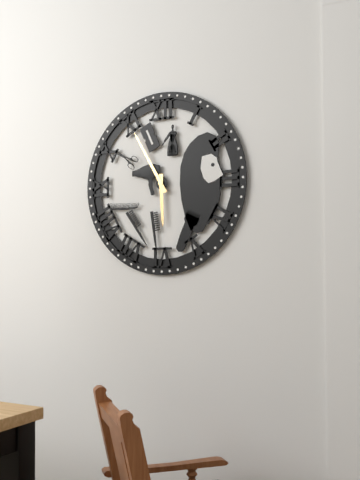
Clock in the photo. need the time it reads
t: 5:55
